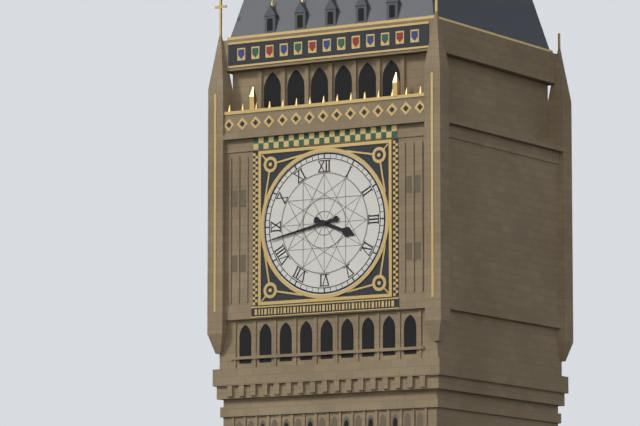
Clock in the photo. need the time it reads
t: 3:43
